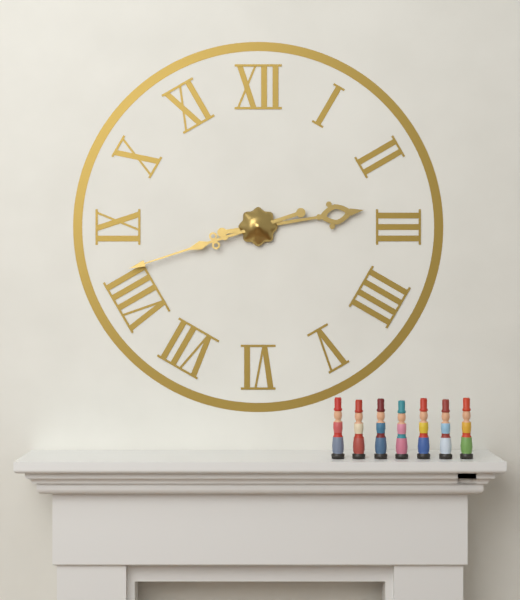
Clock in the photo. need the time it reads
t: 2:42
